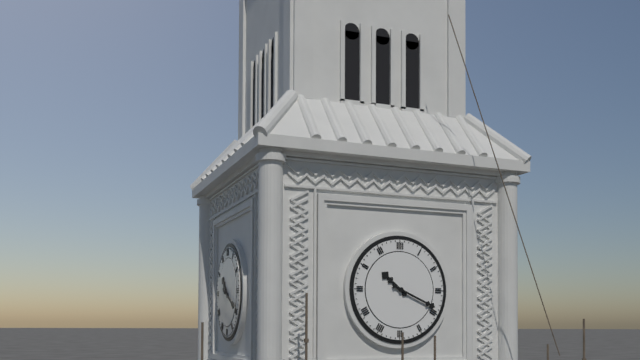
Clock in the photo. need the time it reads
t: 10:19
